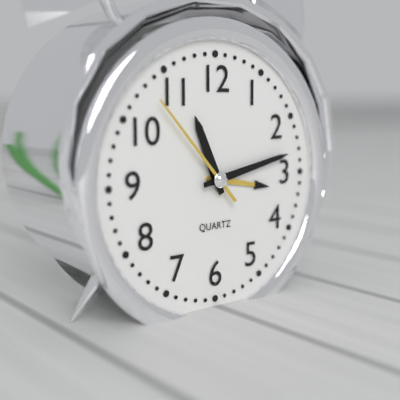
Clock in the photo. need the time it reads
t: 11:13:53
